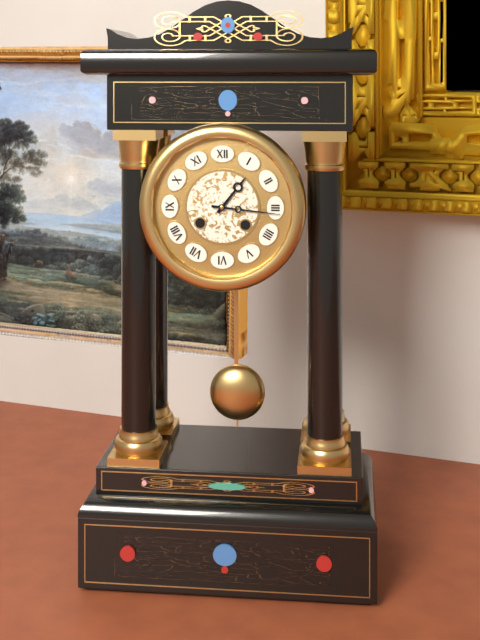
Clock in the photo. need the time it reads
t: 1:16
